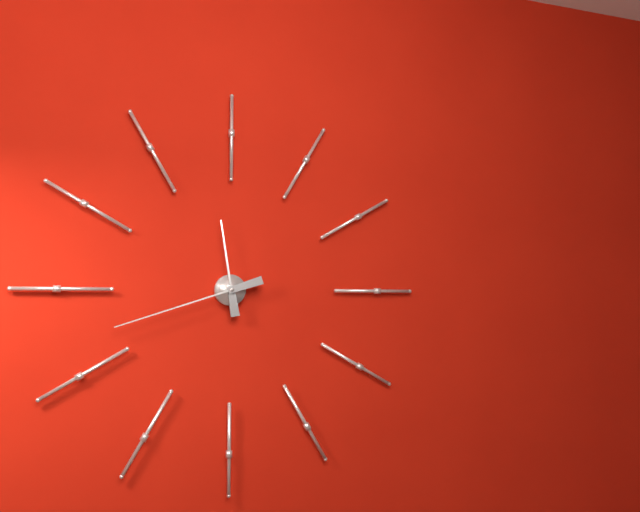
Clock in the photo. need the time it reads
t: 11:42
